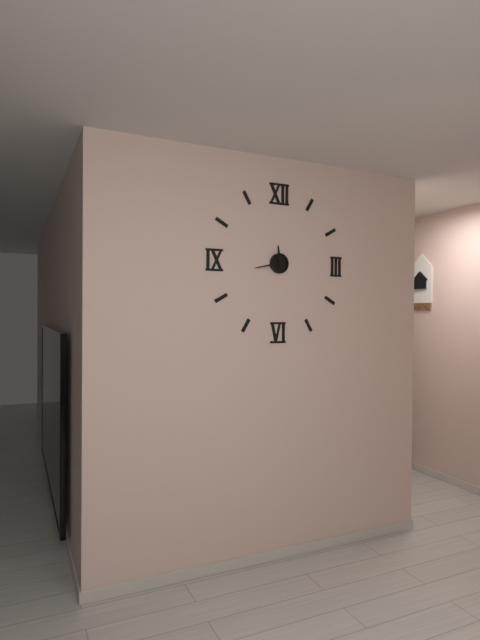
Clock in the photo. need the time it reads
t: 11:43
